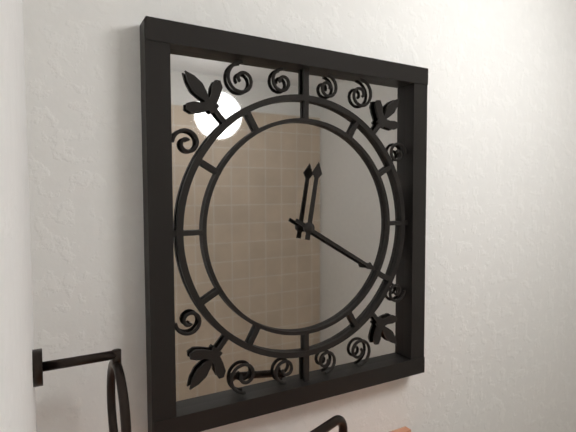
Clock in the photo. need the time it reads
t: 12:20
